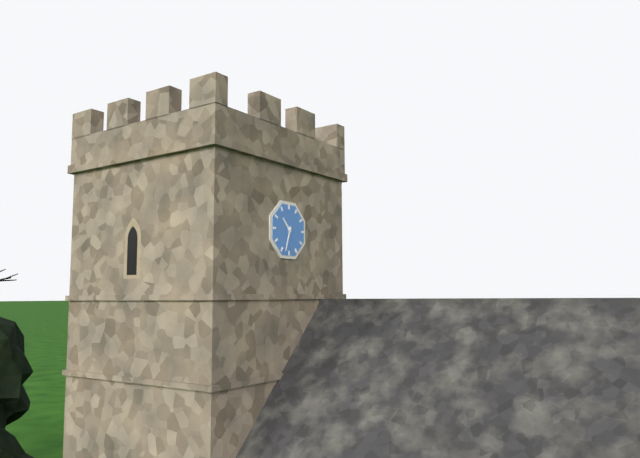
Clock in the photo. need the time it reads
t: 10:33
